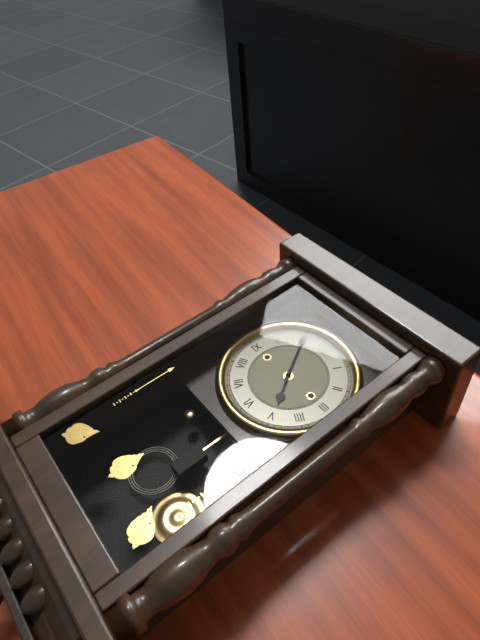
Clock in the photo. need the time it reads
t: 4:55
